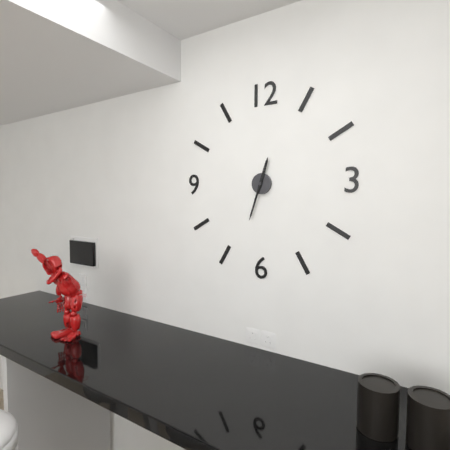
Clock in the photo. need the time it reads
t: 12:33
